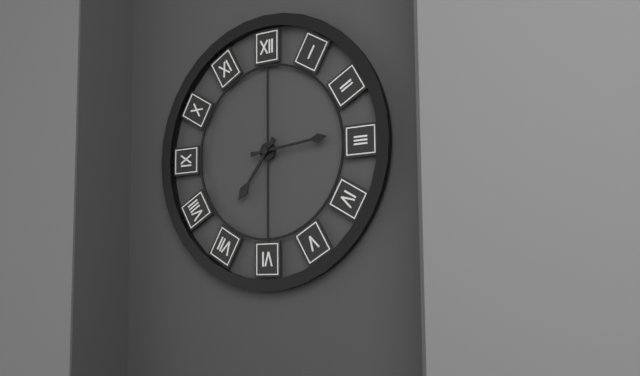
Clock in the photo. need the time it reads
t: 7:14
